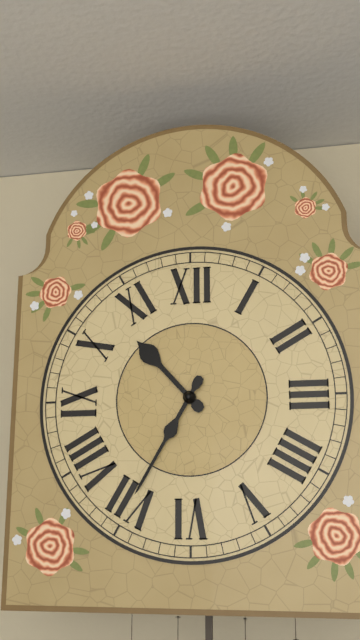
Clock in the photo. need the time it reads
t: 10:35
